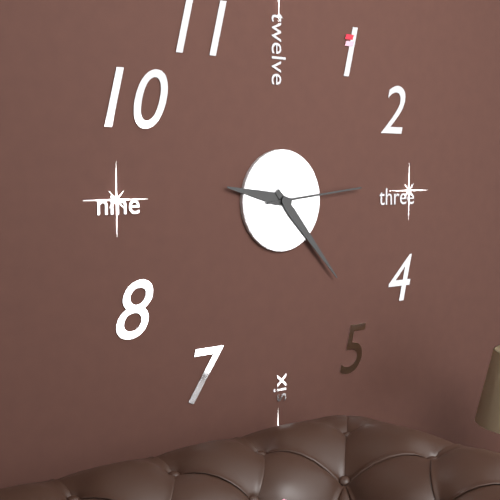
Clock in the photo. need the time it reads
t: 9:23:14
